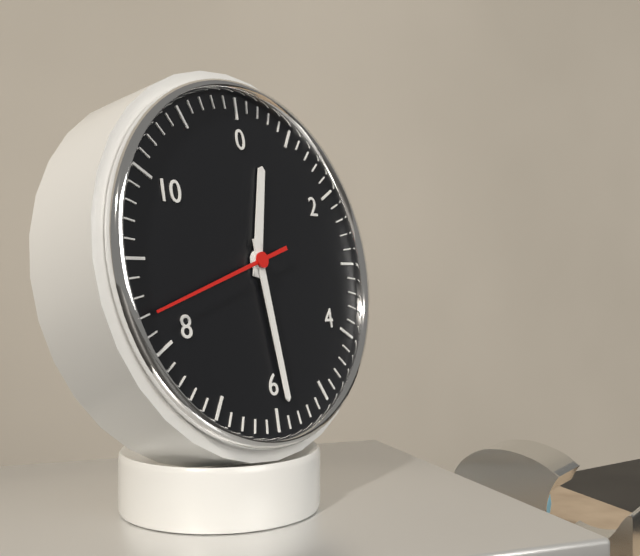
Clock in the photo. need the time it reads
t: 12:29:42
